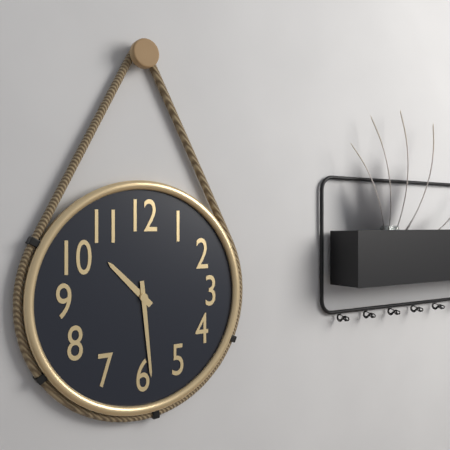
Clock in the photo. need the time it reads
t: 10:29
